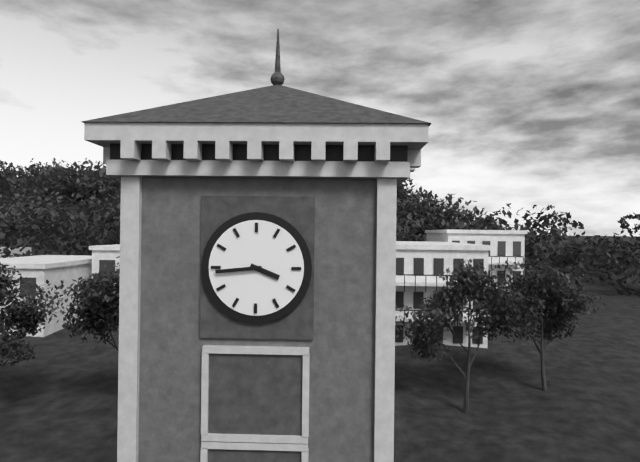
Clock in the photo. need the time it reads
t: 3:44
